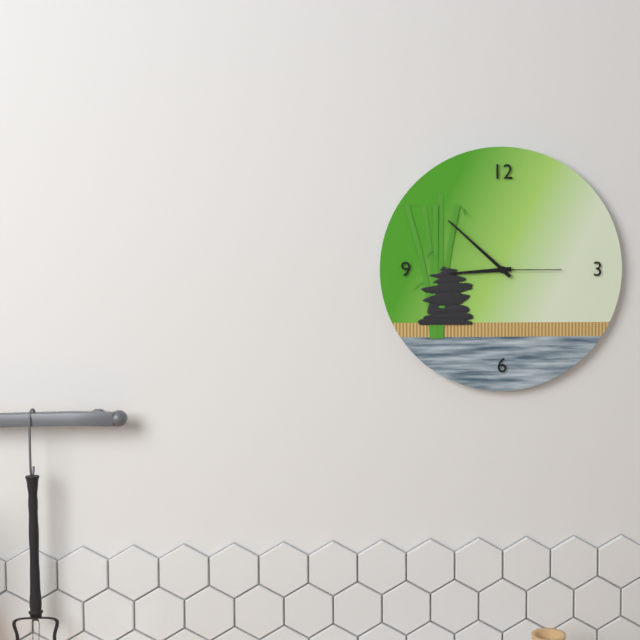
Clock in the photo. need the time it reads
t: 8:52:15
